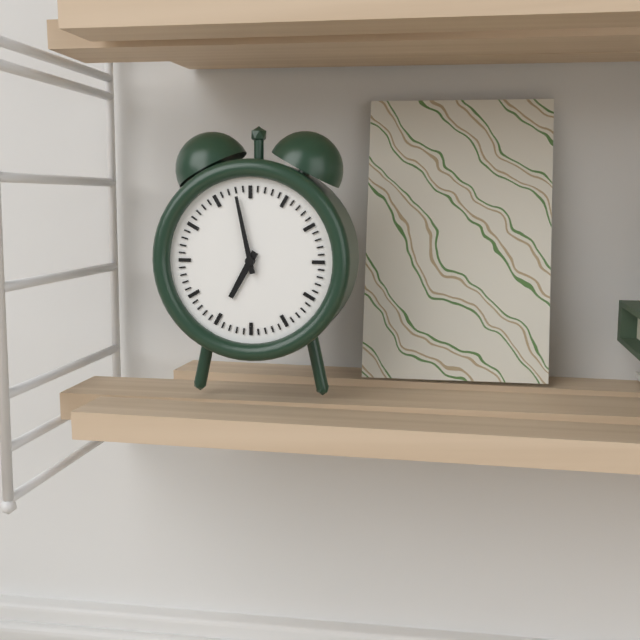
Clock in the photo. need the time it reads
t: 6:58
